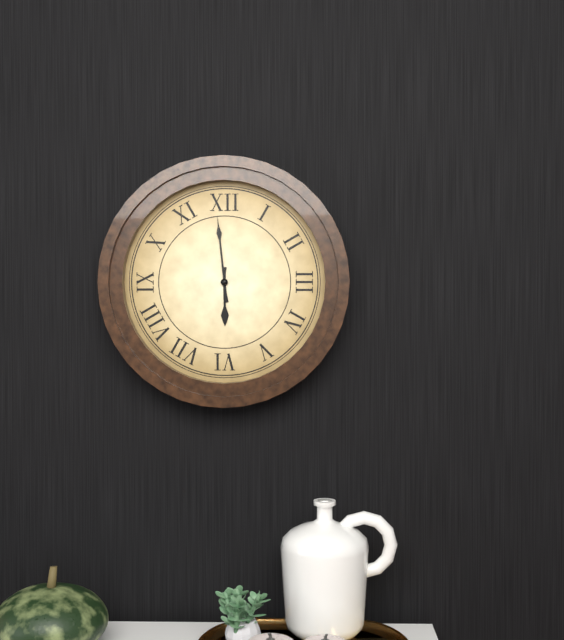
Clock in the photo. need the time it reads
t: 5:59
